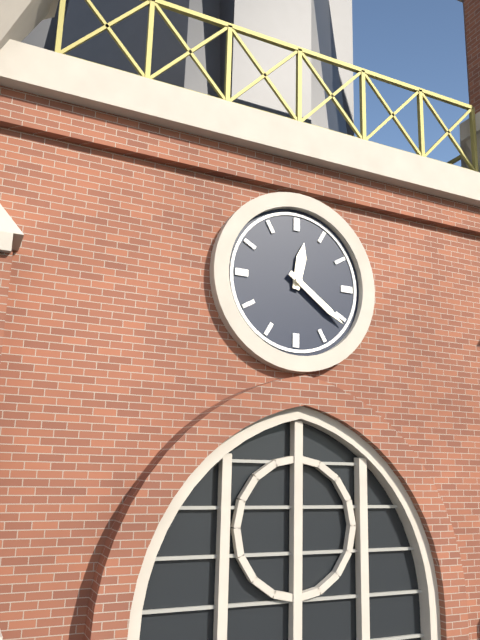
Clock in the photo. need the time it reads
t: 12:21
